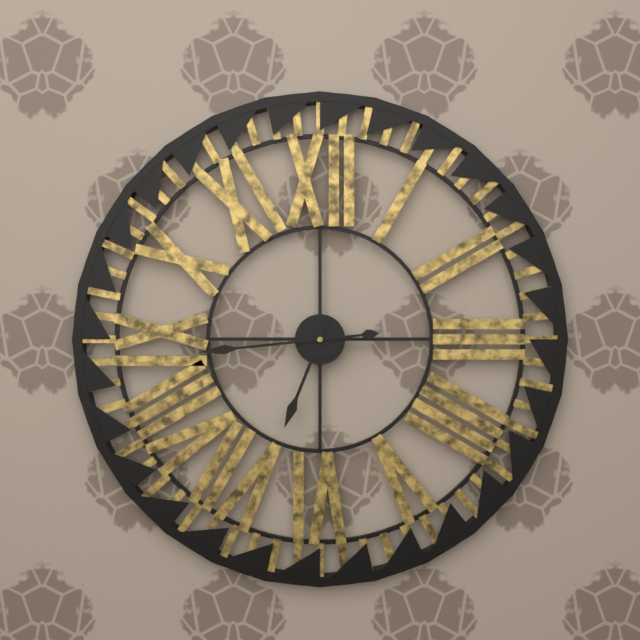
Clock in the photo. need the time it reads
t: 6:44
